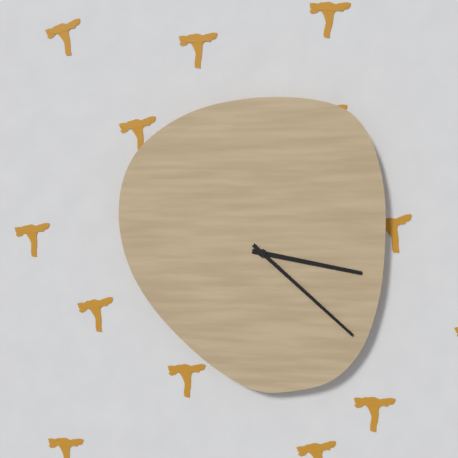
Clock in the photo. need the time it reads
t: 3:22
